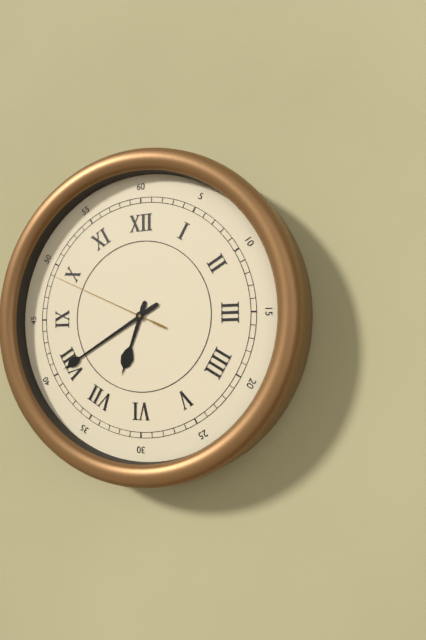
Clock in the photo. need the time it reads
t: 6:40:49
